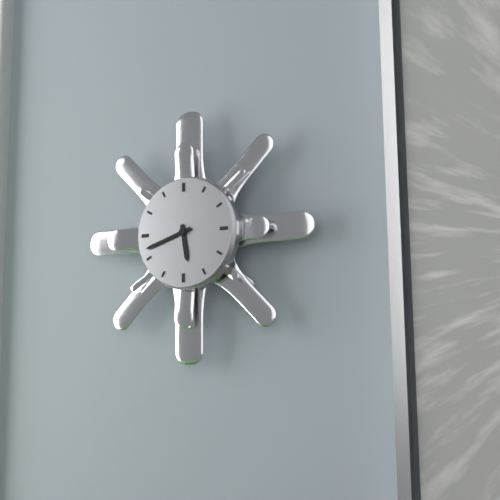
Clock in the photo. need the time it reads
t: 5:42
